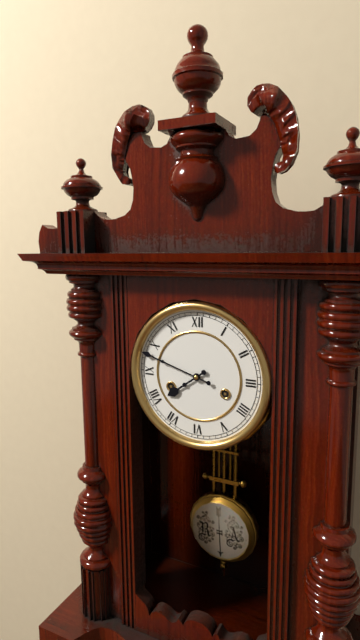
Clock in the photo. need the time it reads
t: 7:48
